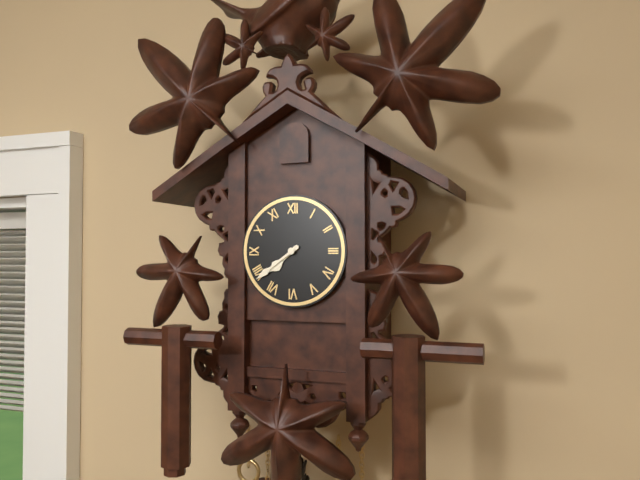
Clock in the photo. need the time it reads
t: 7:39
